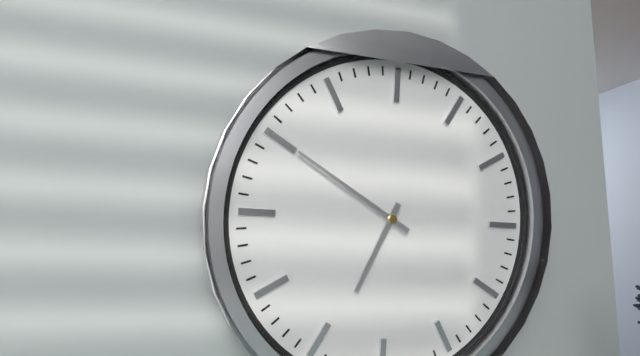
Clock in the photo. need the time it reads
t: 6:50
